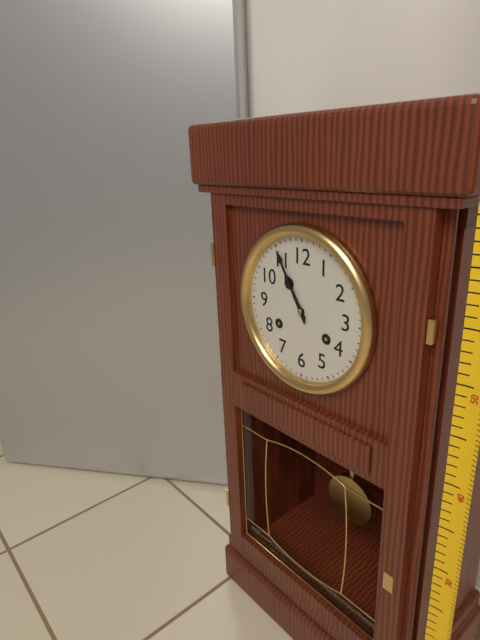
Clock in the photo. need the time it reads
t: 10:55
